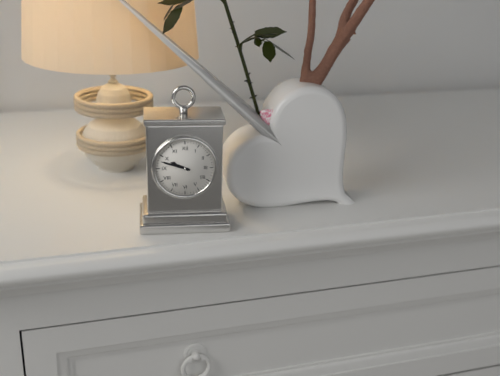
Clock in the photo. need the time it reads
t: 9:48
